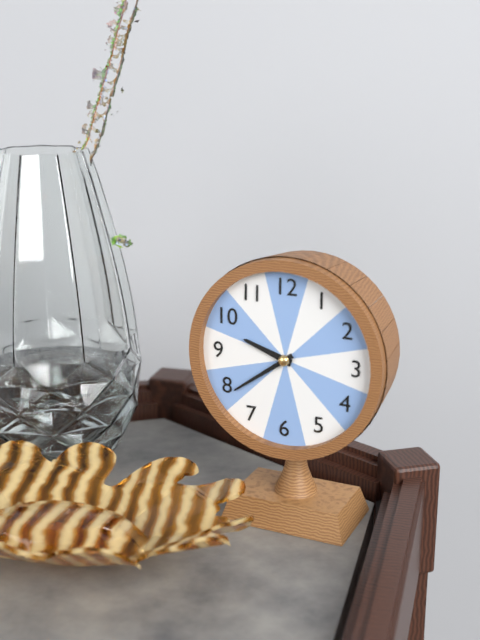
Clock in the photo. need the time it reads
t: 9:39
